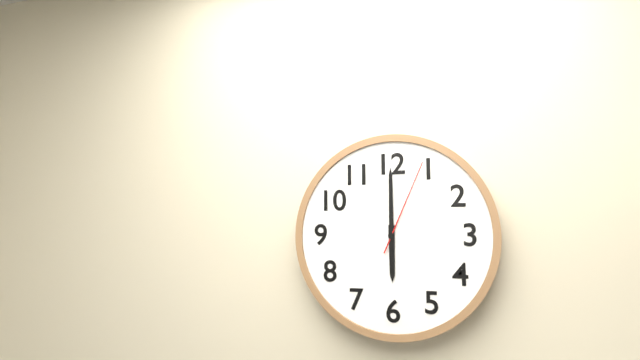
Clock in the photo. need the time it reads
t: 6:00:04
